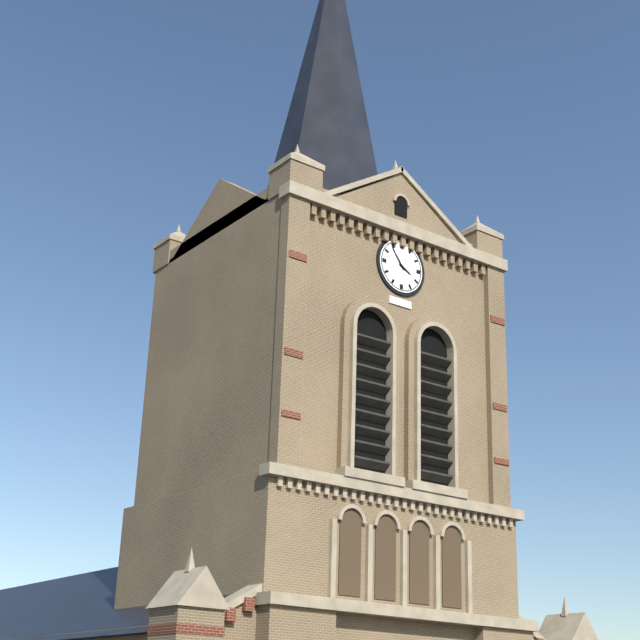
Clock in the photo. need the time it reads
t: 3:54
